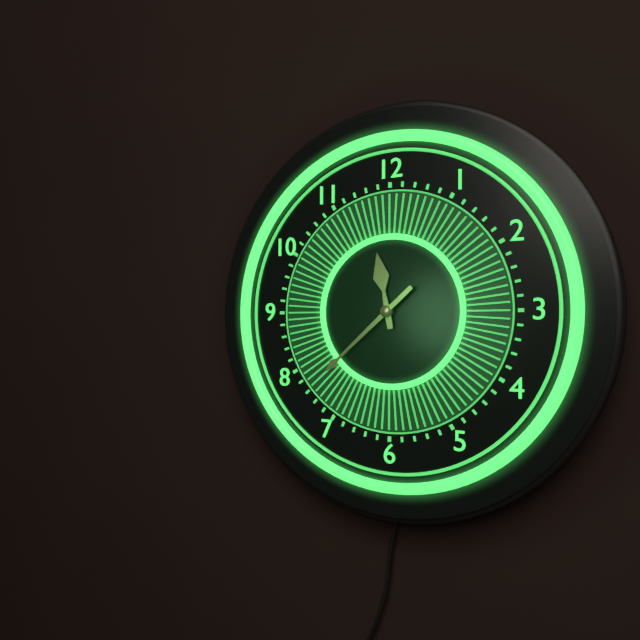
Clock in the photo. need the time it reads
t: 11:38
